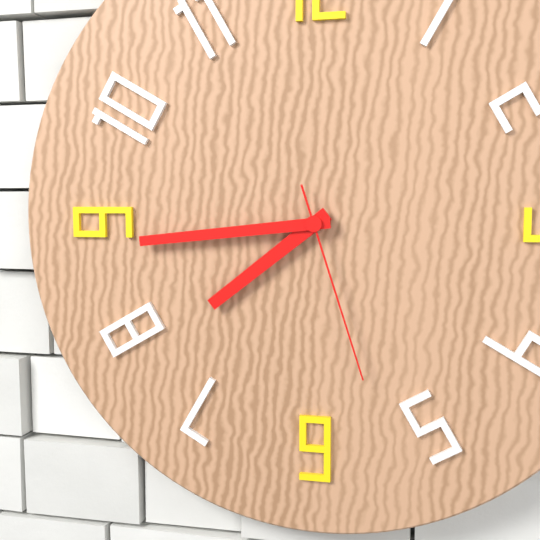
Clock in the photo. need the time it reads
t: 7:44:27
